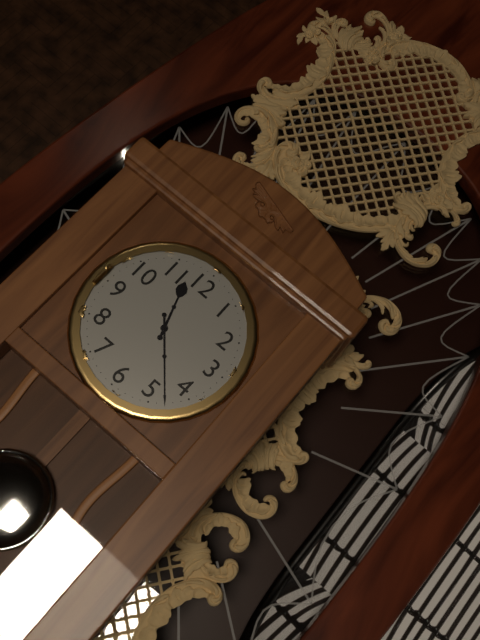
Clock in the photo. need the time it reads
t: 11:23
